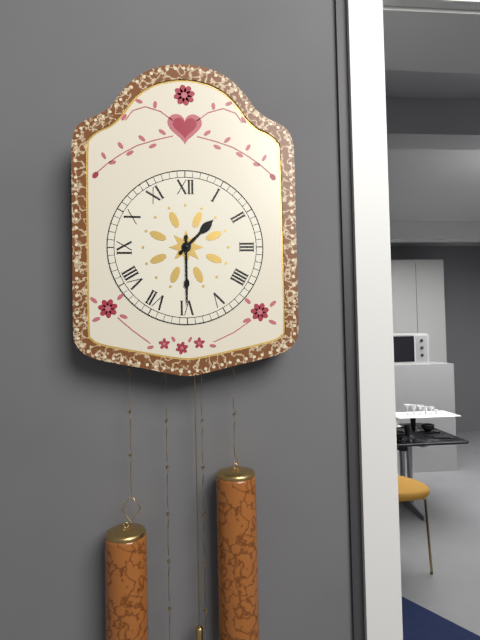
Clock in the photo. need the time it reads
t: 1:30
